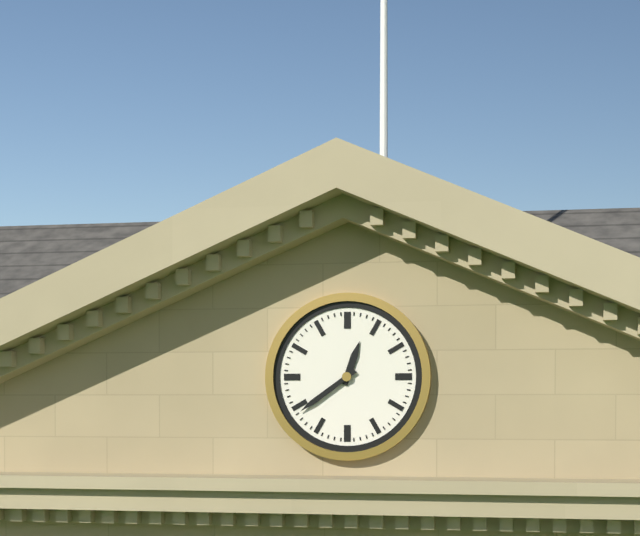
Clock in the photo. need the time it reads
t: 12:39
